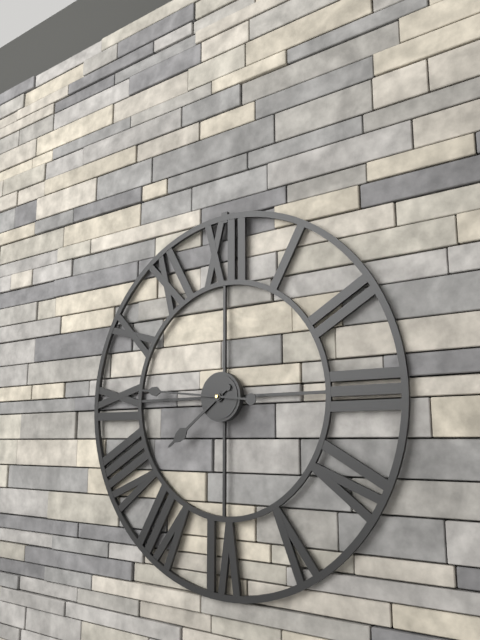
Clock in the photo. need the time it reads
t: 7:46
